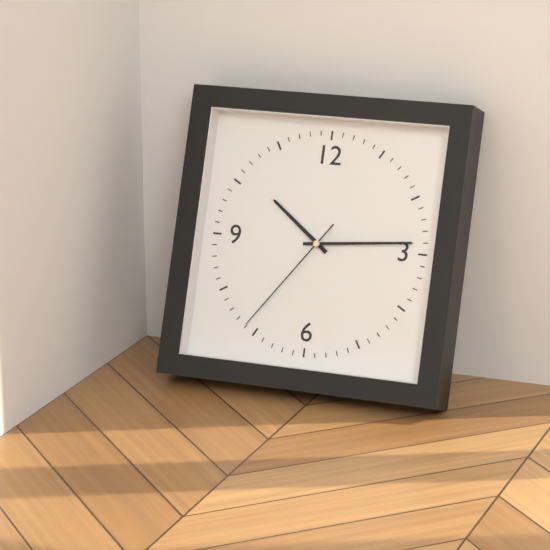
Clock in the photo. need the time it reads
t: 10:14:36
